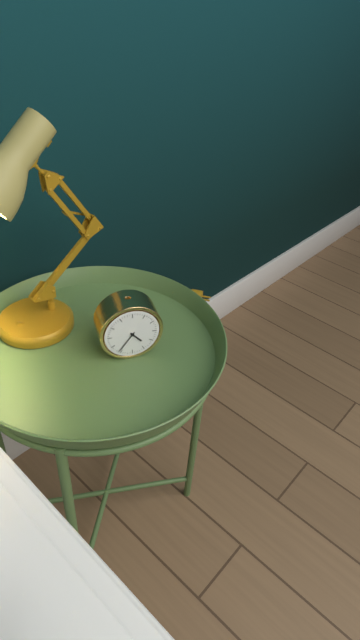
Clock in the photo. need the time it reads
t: 4:36
